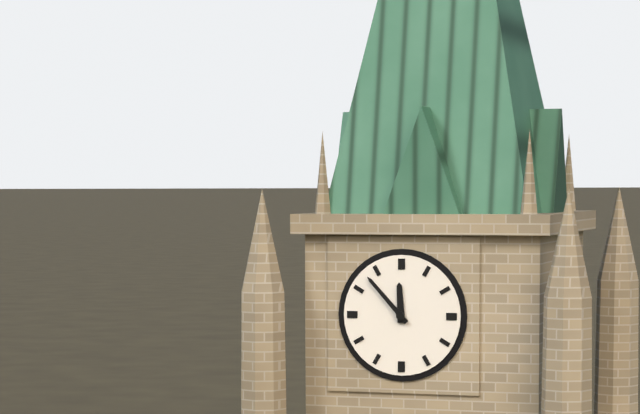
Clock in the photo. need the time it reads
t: 11:53
